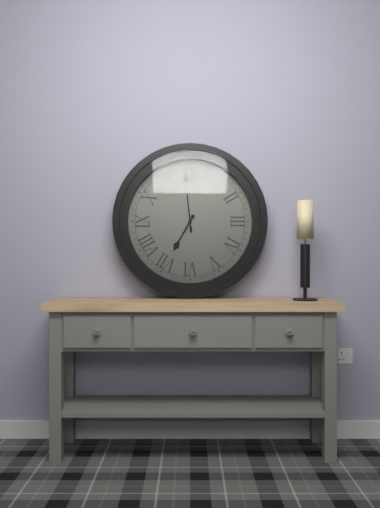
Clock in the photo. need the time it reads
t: 6:59
